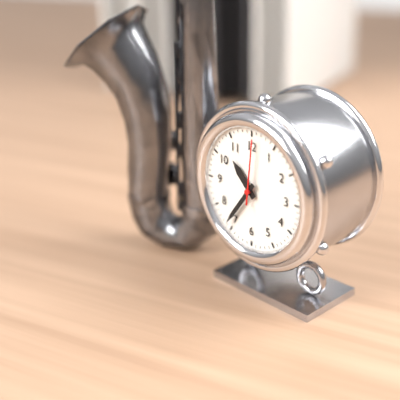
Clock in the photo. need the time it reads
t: 10:36:01
